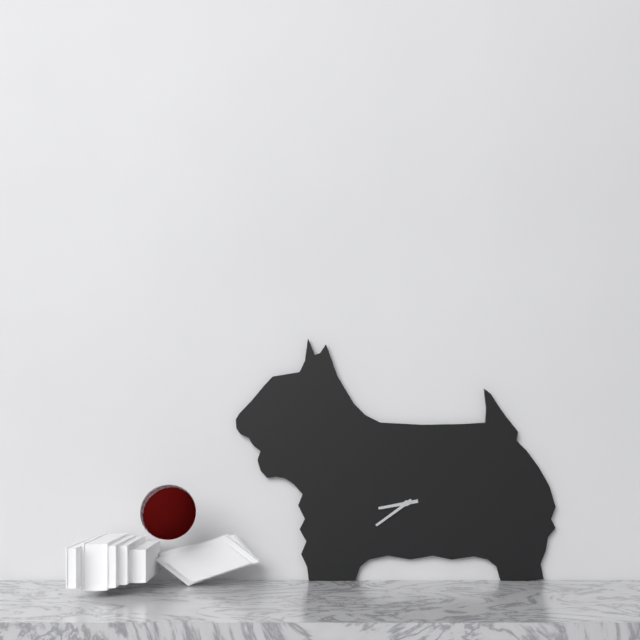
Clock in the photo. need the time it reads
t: 8:39
